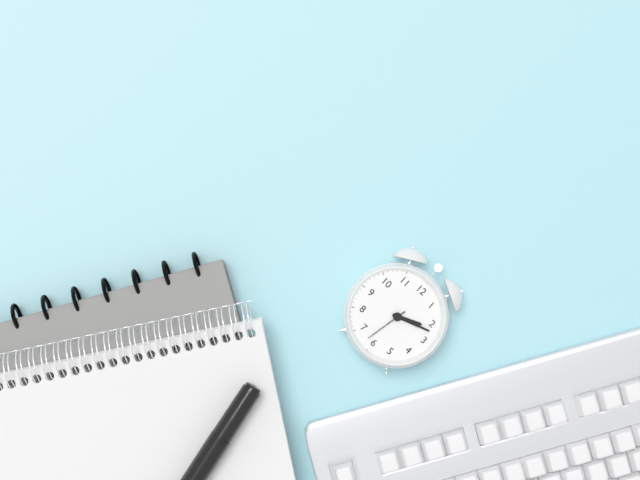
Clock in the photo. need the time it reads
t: 2:12
